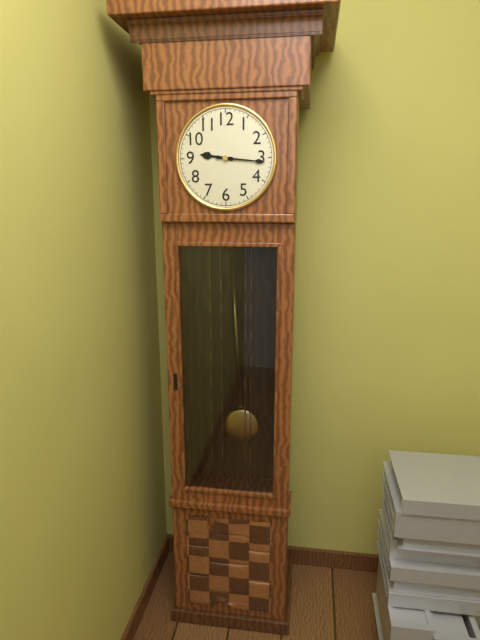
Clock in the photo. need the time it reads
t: 9:16
